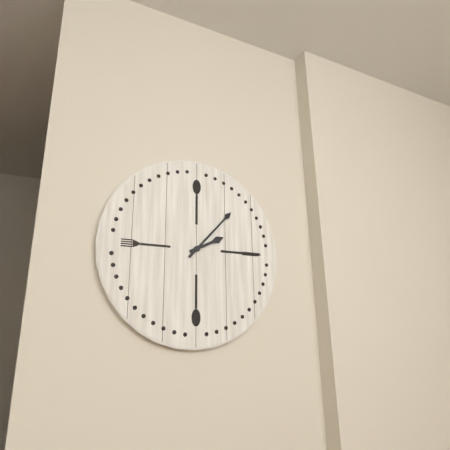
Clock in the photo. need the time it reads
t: 2:07
